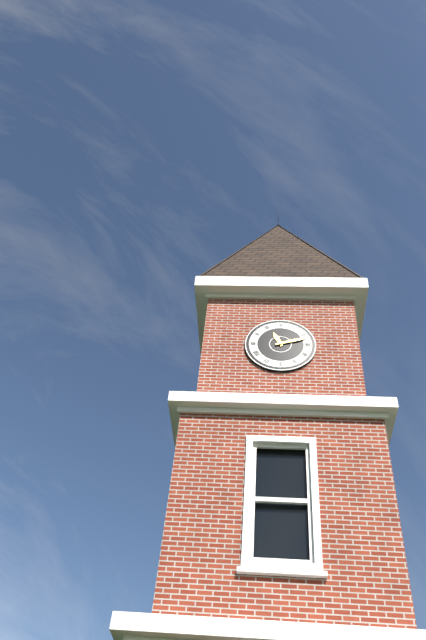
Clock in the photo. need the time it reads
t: 11:12
